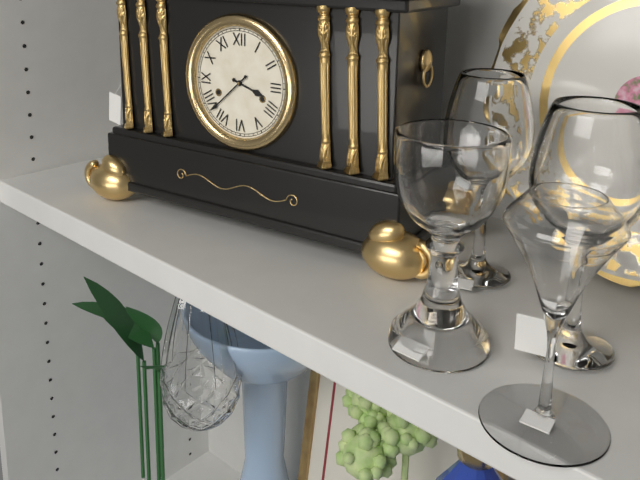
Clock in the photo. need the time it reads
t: 3:38
